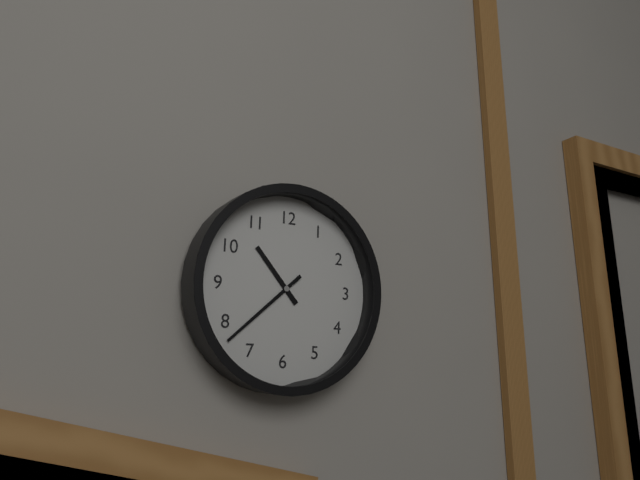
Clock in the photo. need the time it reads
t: 10:38
